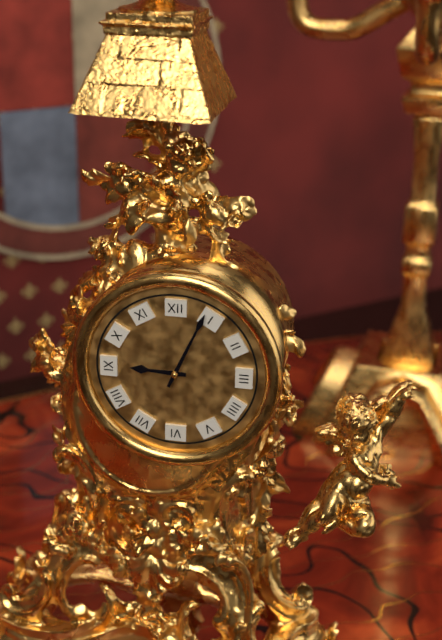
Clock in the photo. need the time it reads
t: 9:04
